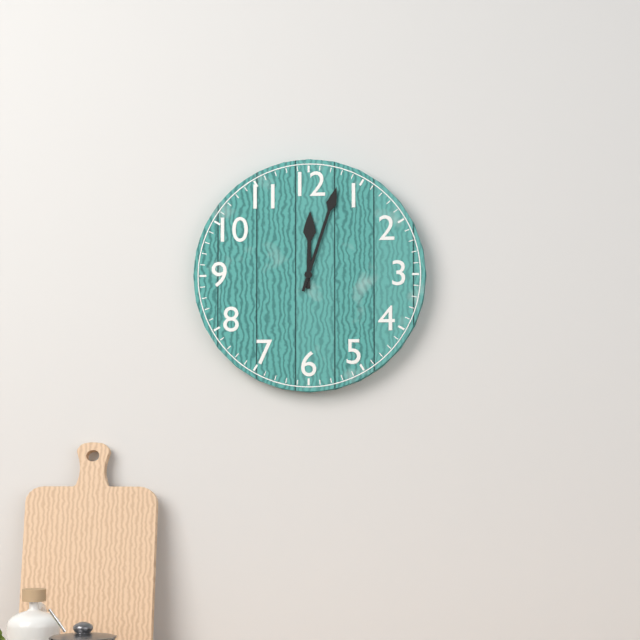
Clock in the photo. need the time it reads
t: 12:03
